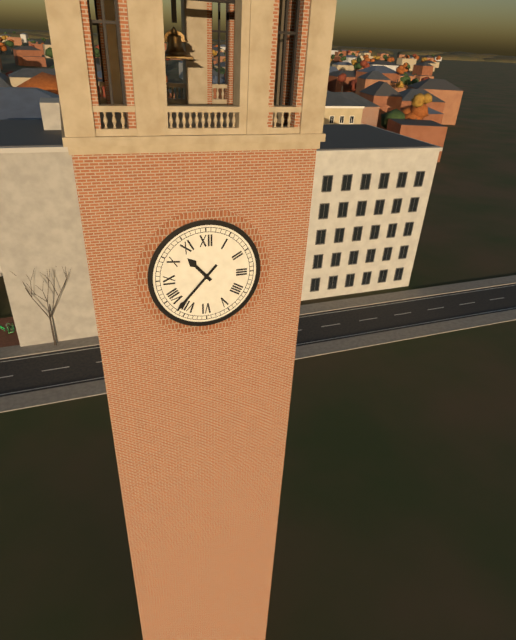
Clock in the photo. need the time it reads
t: 10:37
